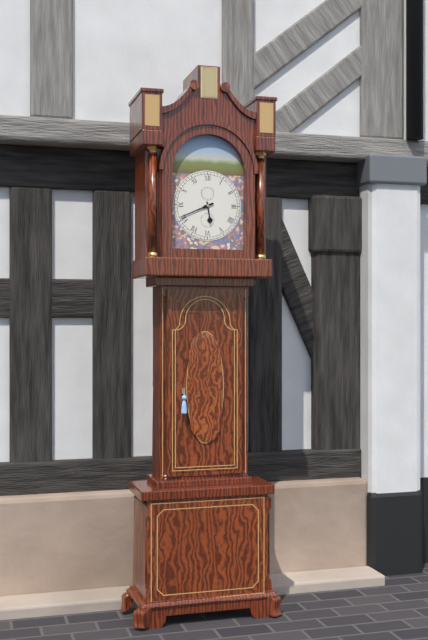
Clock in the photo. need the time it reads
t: 5:41
